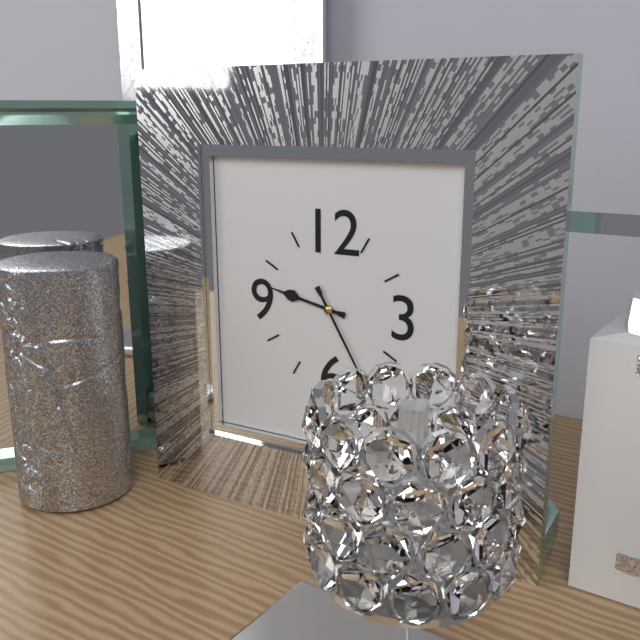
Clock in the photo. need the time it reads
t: 9:25
